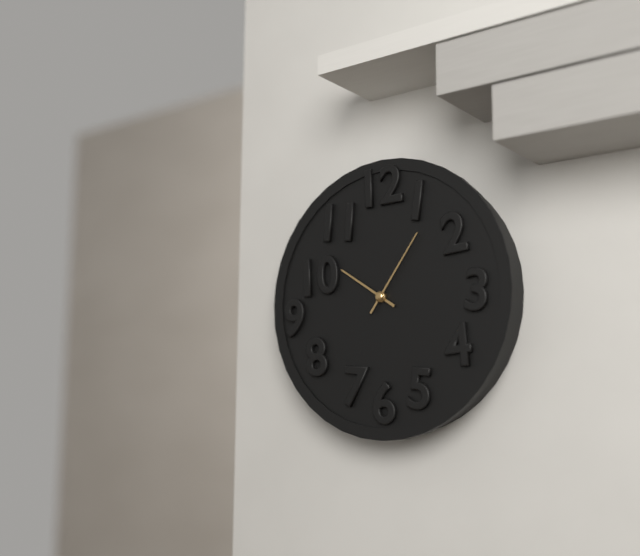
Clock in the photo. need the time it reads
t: 10:06
